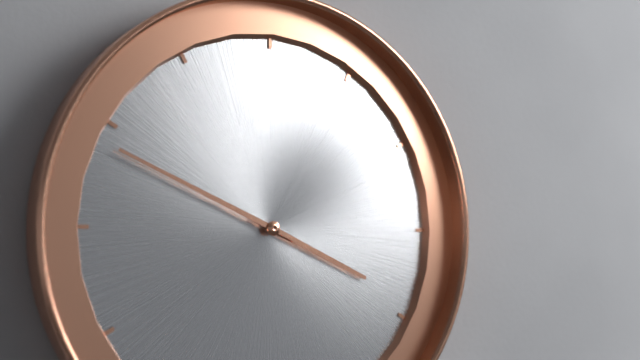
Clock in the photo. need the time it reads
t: 3:49
